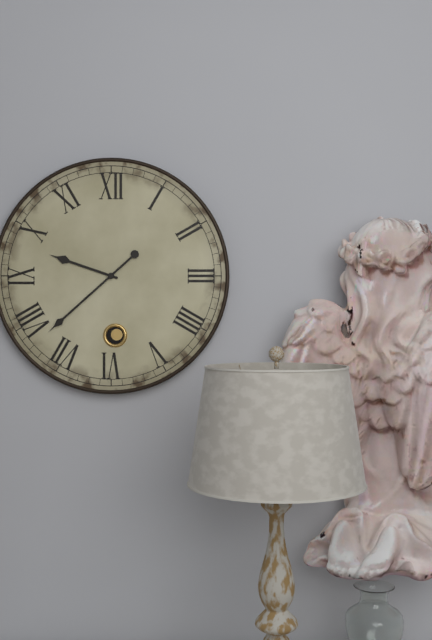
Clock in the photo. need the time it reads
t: 9:38
